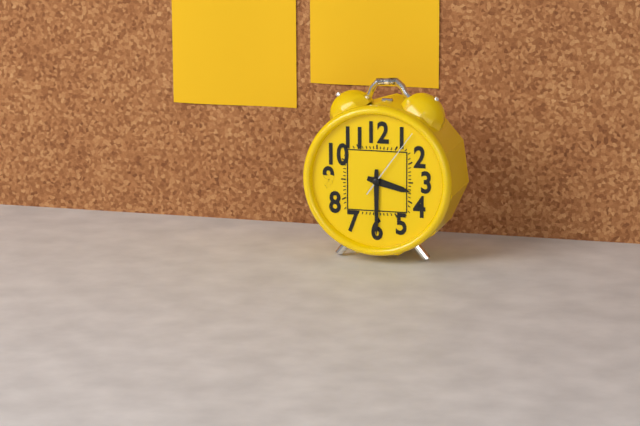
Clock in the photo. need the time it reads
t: 3:30:06
